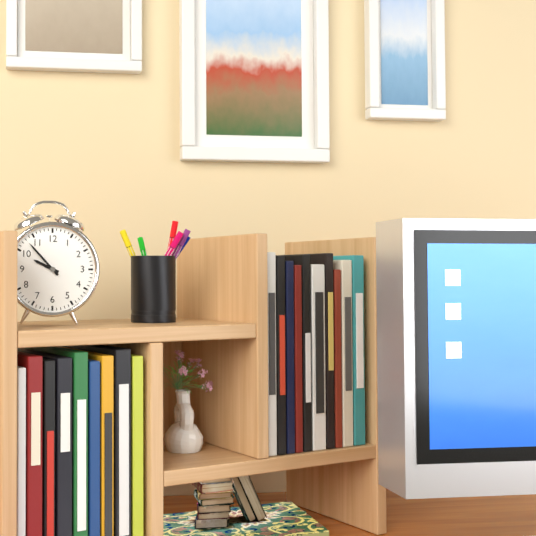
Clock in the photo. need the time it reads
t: 9:53
